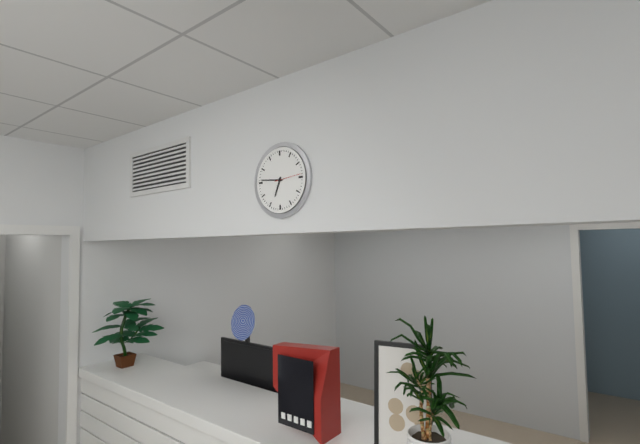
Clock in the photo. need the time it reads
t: 6:46
